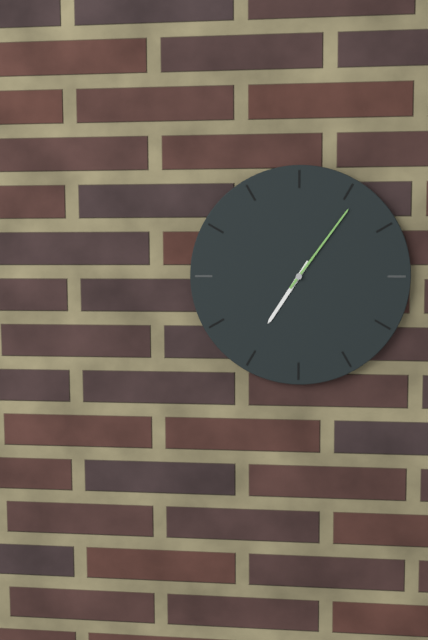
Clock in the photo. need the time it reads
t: 7:06
